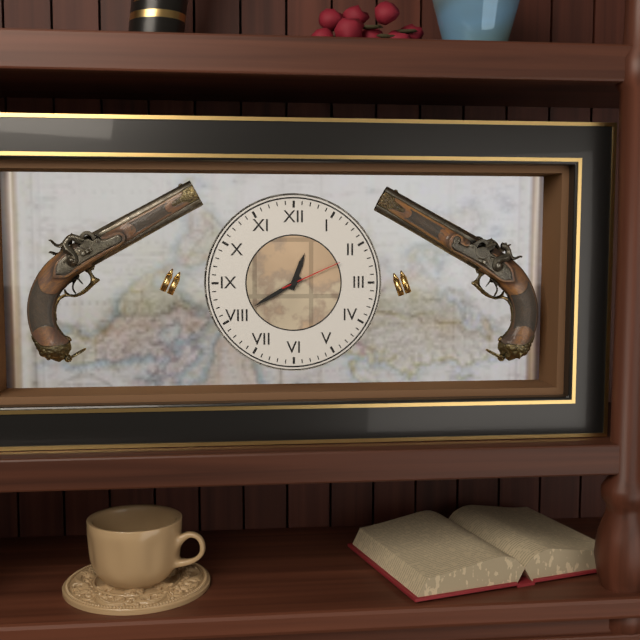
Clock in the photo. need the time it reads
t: 12:40:11
